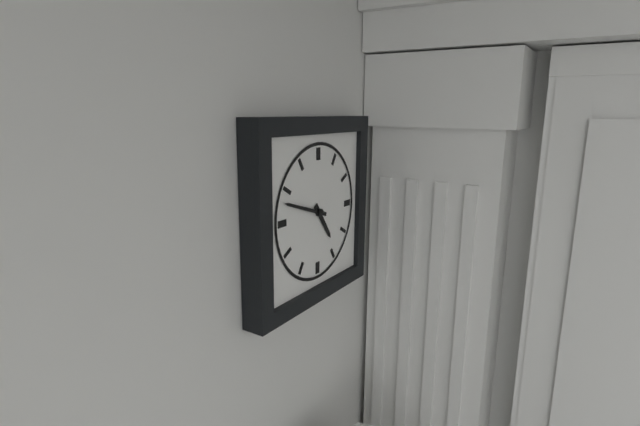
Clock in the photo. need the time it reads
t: 4:48
